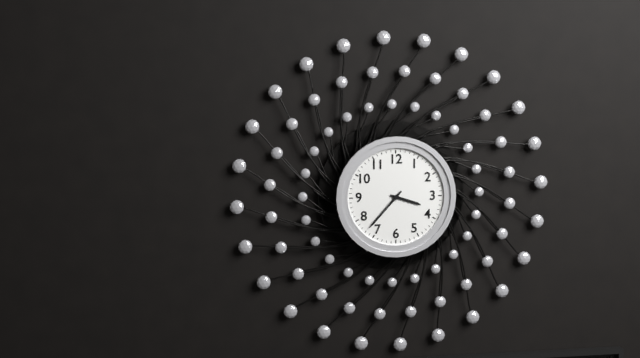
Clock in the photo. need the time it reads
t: 3:37
